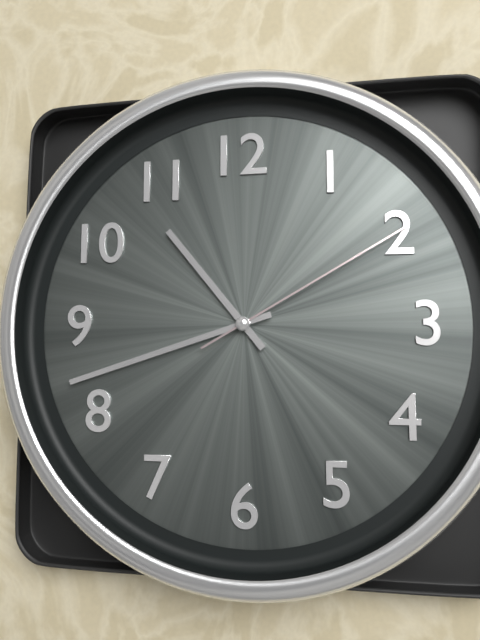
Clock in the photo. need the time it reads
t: 10:42:10
